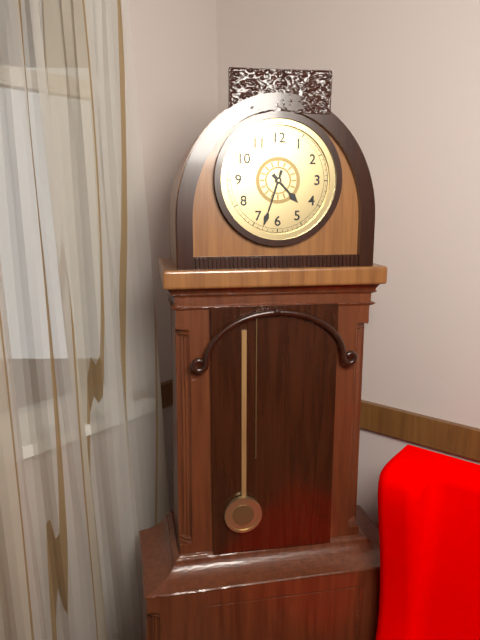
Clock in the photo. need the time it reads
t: 4:33
